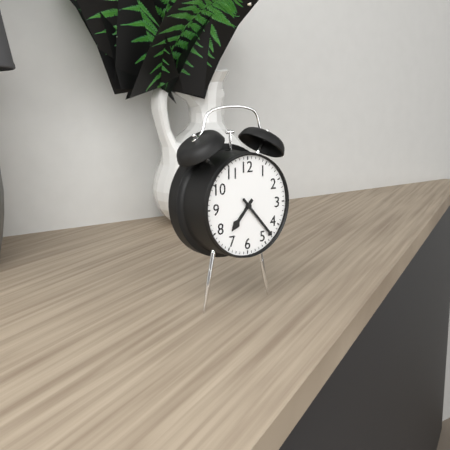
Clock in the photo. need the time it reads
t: 7:23
